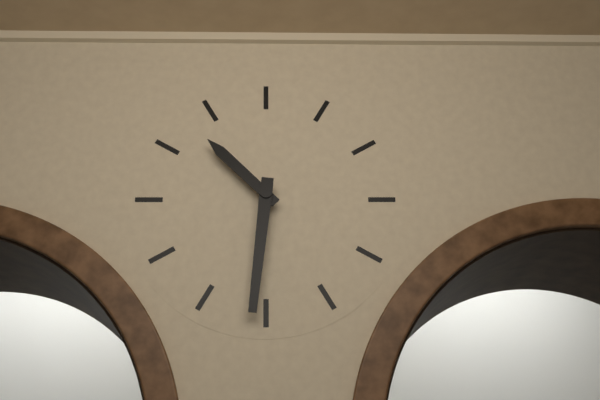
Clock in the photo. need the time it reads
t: 10:31
